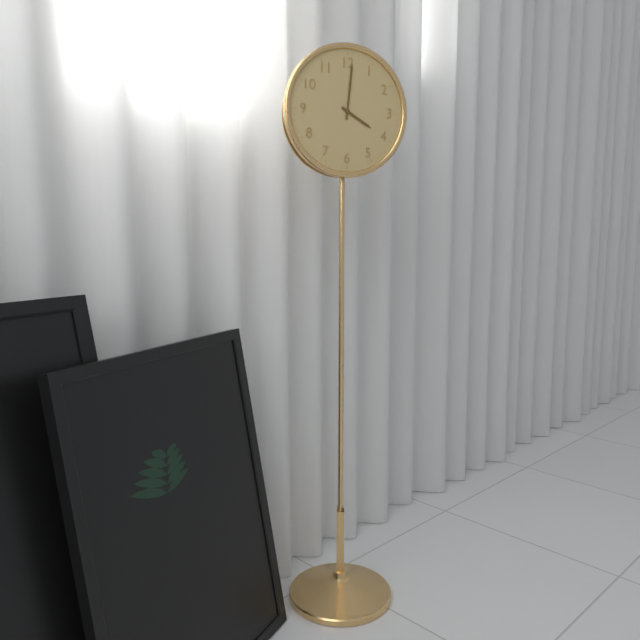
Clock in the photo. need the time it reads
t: 4:01
